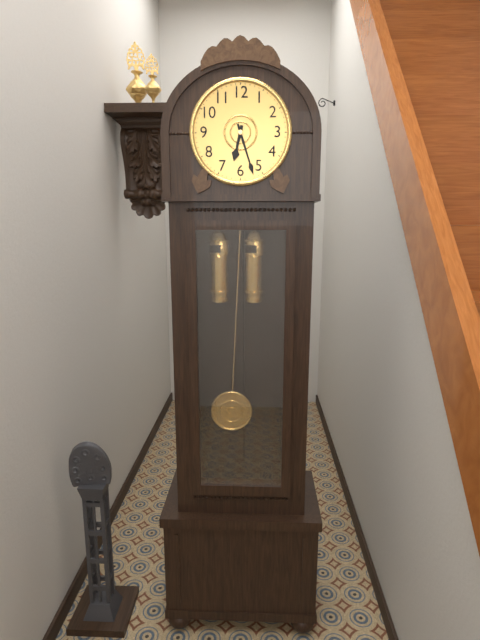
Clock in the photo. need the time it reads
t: 6:27
